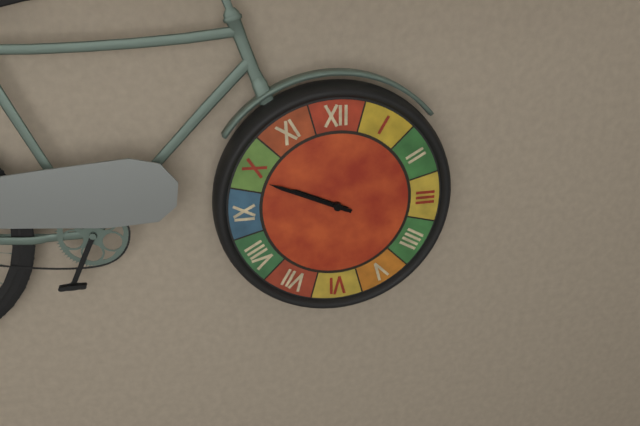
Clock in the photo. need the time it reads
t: 9:49
